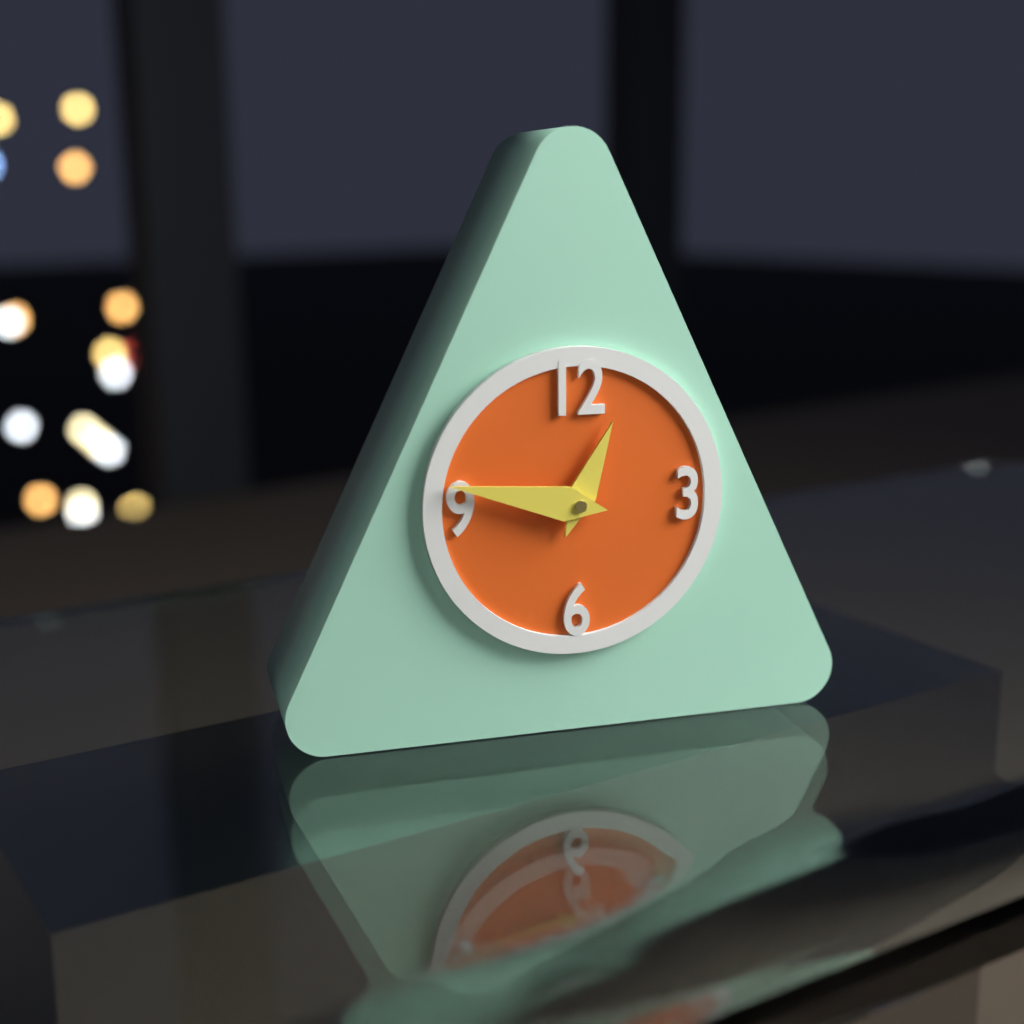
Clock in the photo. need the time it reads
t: 12:47
